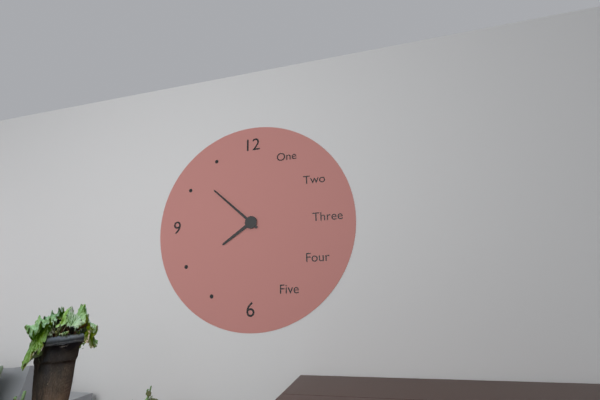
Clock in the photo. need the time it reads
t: 7:52
